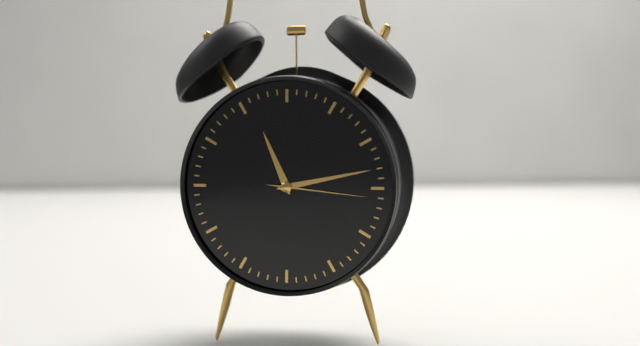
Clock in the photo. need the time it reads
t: 11:13:16
